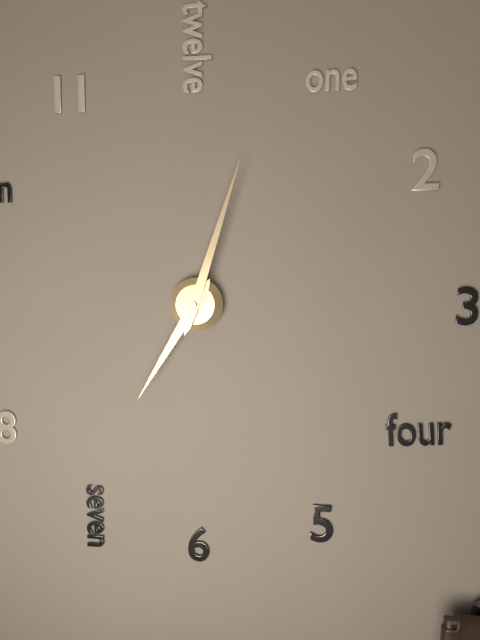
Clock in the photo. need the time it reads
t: 7:03
